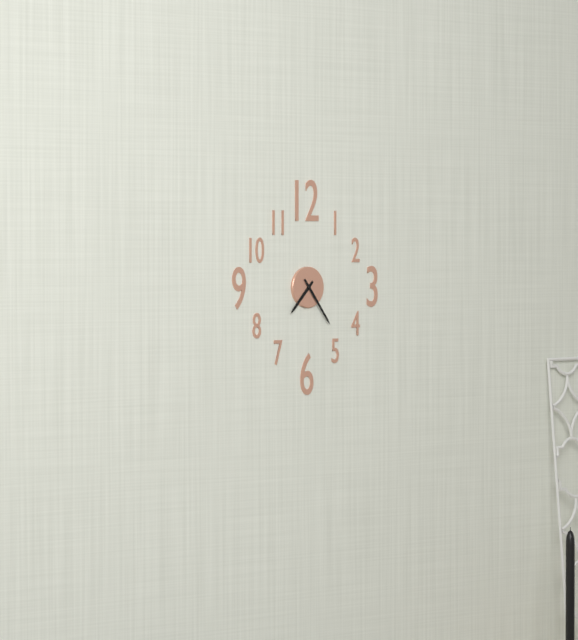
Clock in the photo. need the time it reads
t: 7:24
